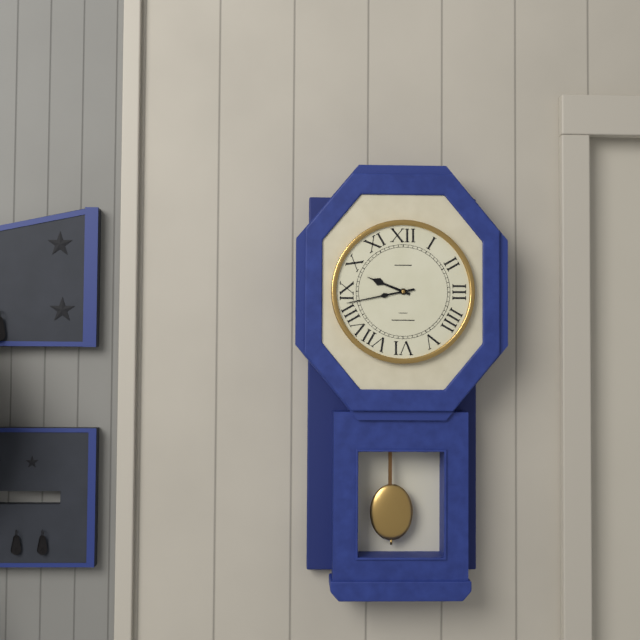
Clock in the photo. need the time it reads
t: 9:43
